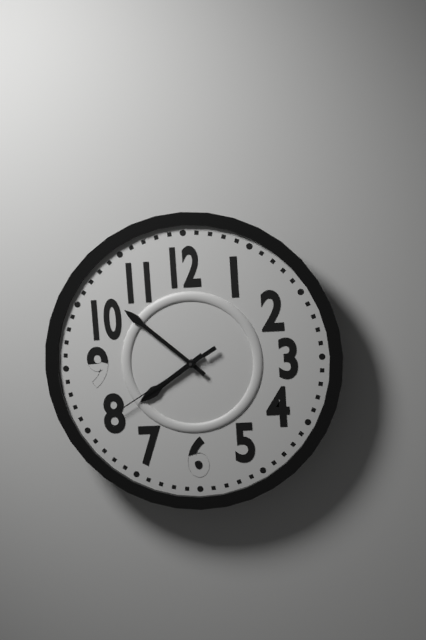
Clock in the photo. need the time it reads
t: 7:52:40
